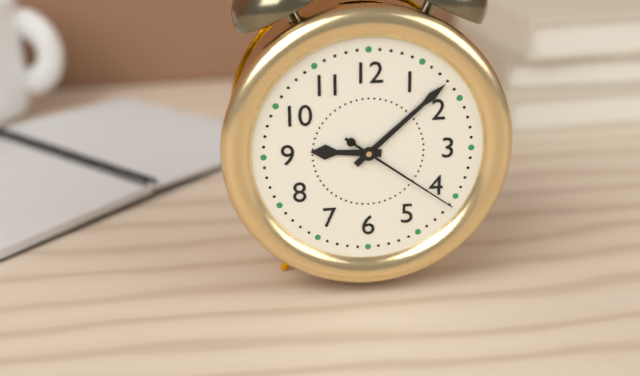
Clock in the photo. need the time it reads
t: 9:08:21
